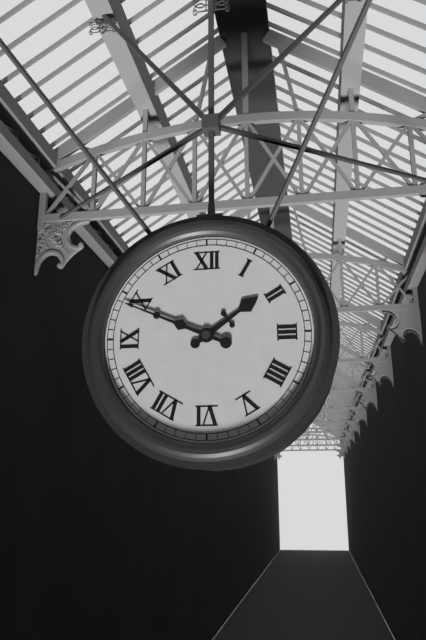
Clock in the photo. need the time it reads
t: 1:49
